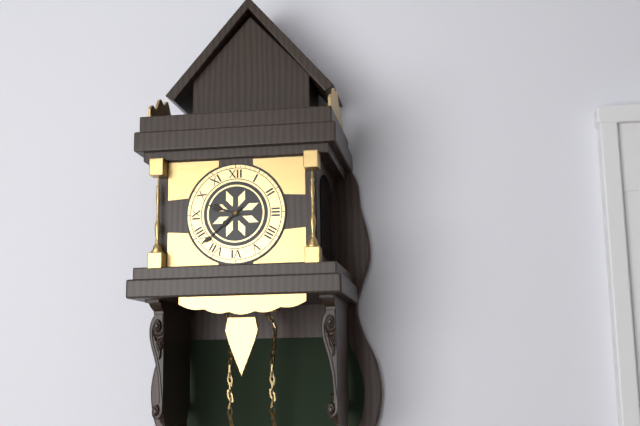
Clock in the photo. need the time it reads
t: 9:38
